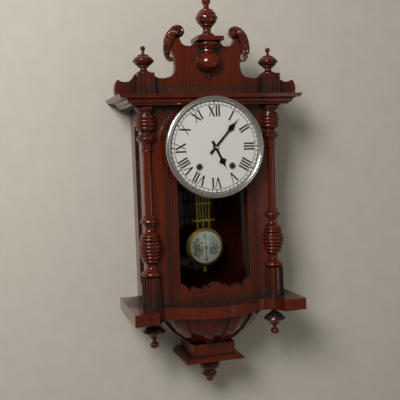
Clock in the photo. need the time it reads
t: 5:07
